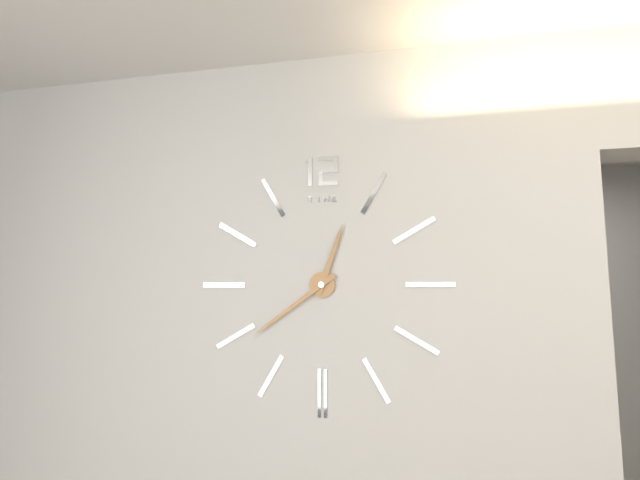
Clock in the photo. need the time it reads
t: 12:39
